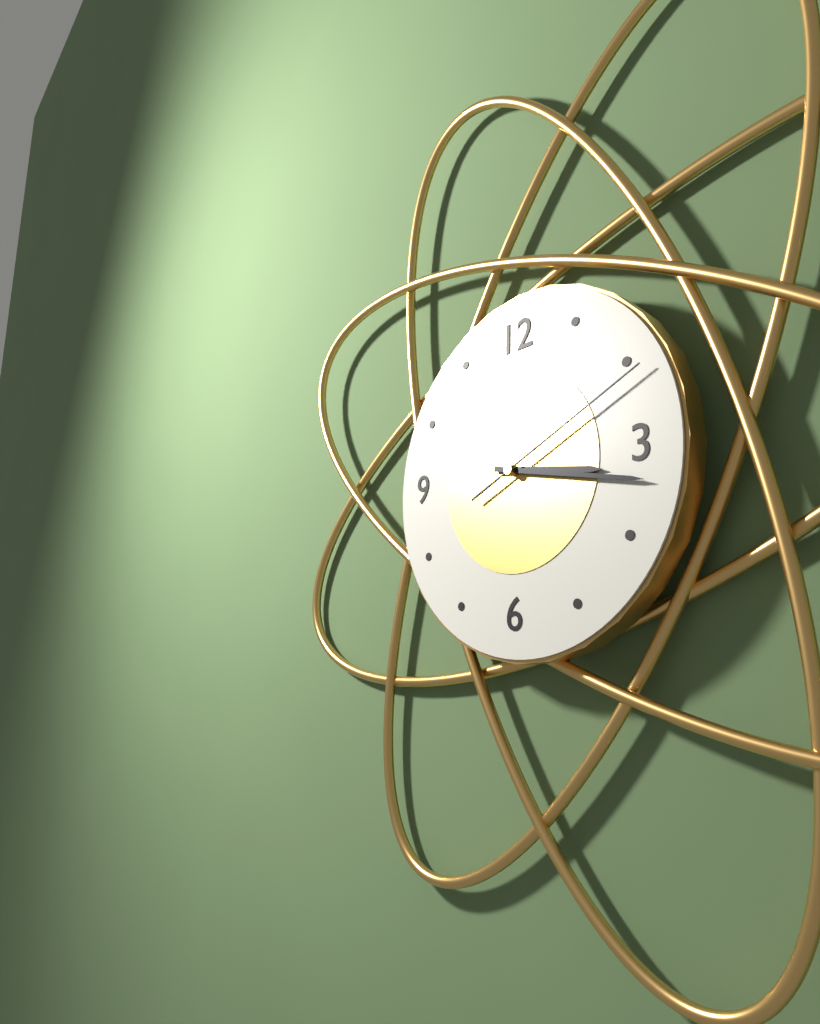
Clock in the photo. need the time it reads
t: 3:17:11
